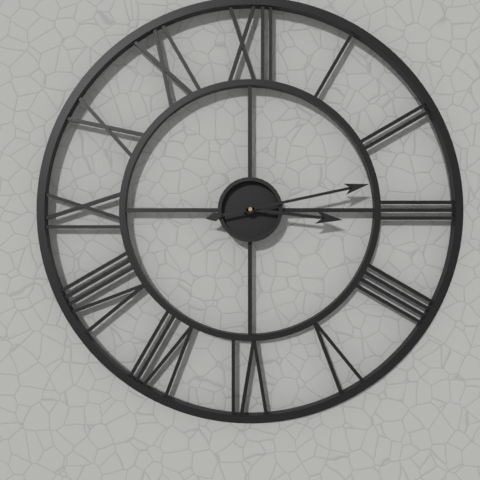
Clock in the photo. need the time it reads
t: 3:13
